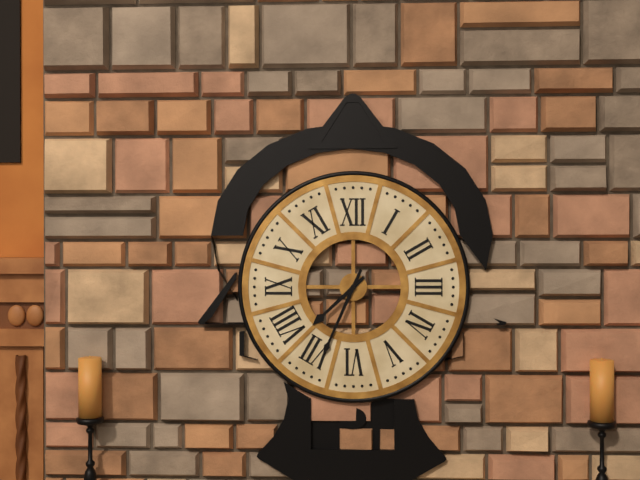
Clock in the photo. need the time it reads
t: 7:34
